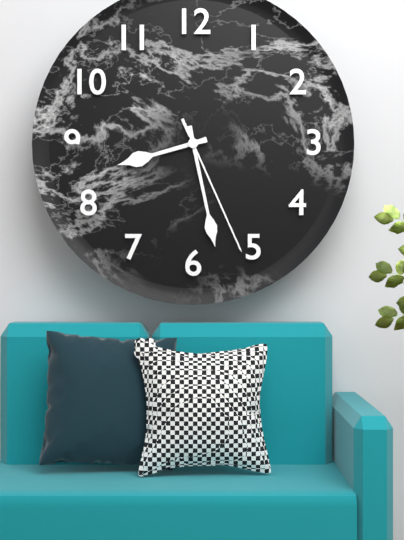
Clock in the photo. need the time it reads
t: 8:28:26
